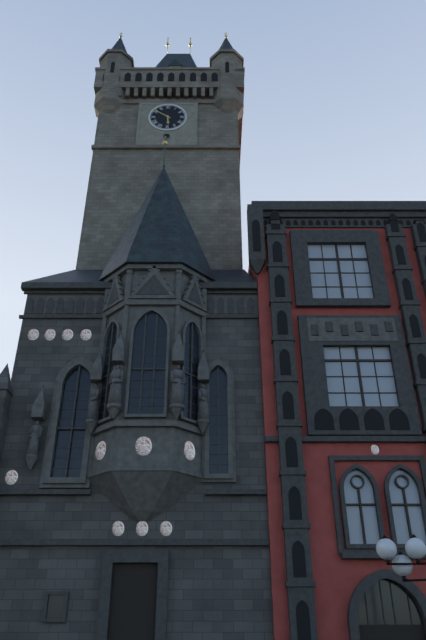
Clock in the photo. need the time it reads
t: 5:51
